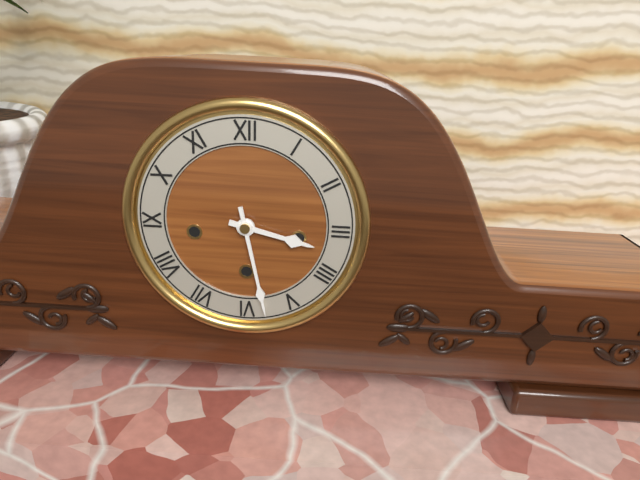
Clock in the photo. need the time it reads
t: 3:28
